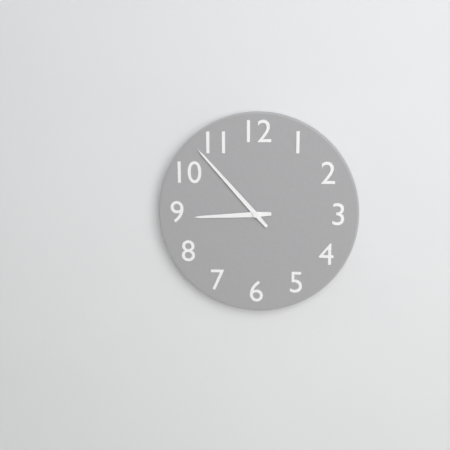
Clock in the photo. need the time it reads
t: 8:53
